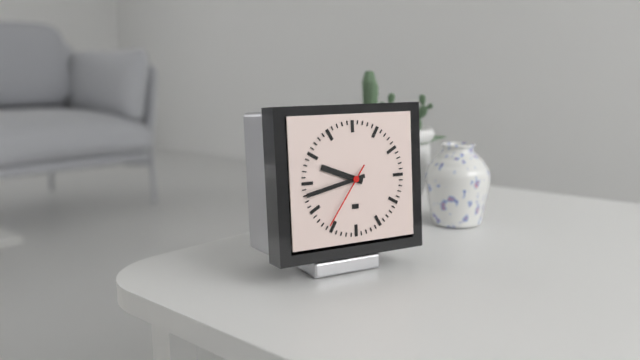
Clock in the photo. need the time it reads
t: 9:43:36
